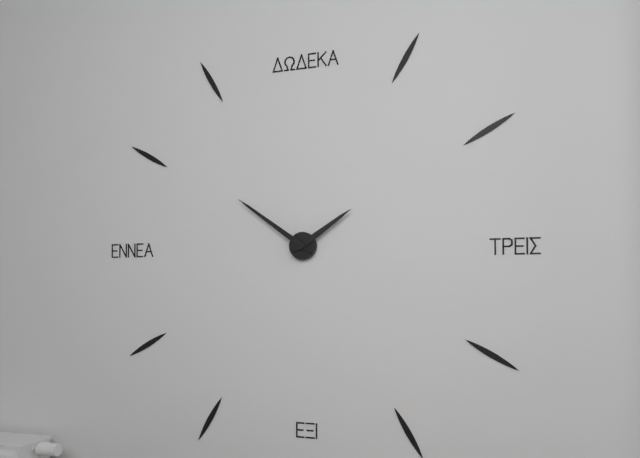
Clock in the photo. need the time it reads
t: 1:51
